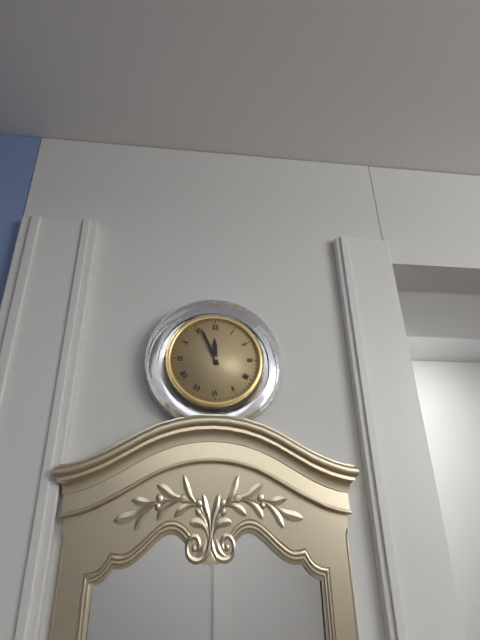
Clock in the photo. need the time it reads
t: 11:56
